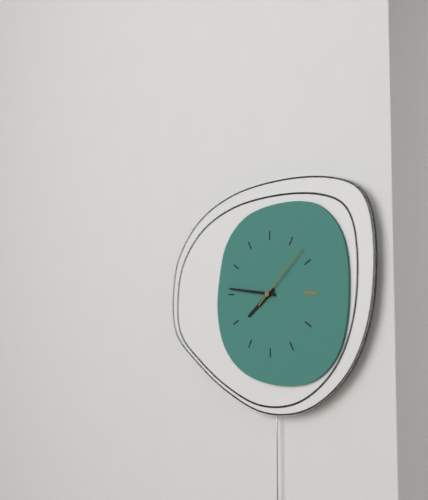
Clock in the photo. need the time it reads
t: 7:46:08
